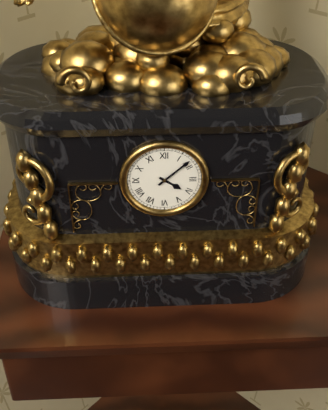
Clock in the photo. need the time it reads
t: 4:08
